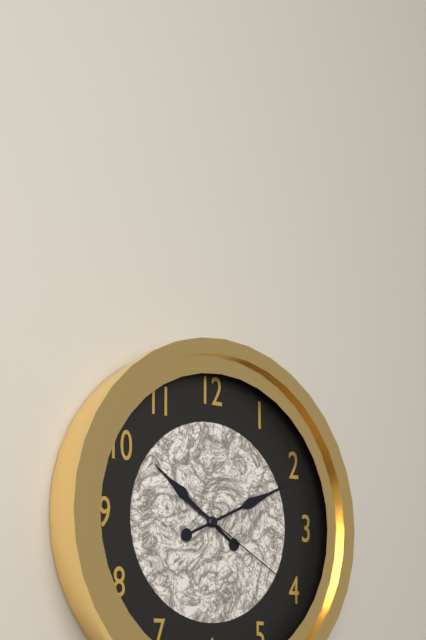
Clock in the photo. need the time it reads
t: 10:11:20
